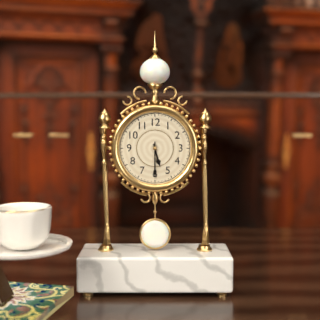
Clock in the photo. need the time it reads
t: 5:30
